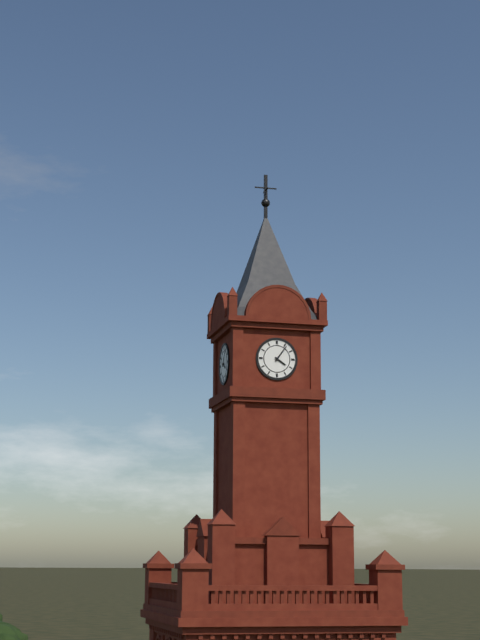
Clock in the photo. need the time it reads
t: 4:06
